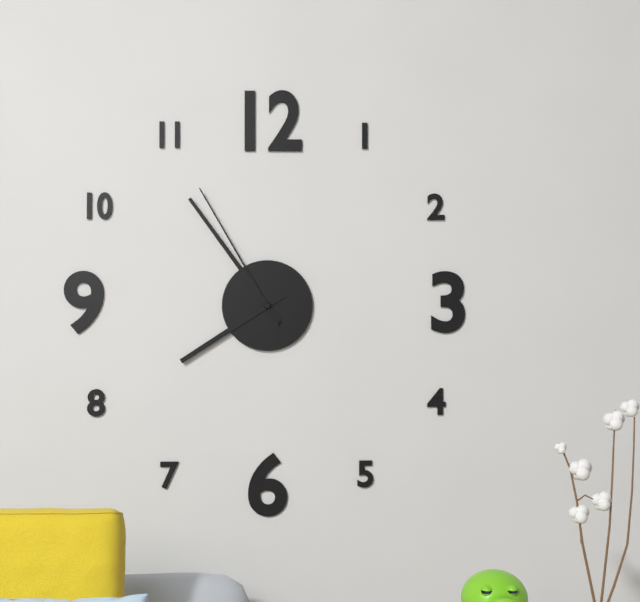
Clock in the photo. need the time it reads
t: 7:54:55
